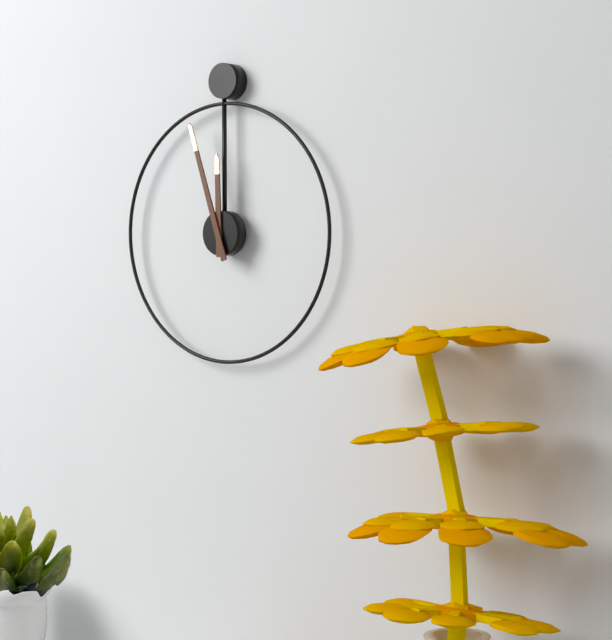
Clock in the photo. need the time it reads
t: 11:57
